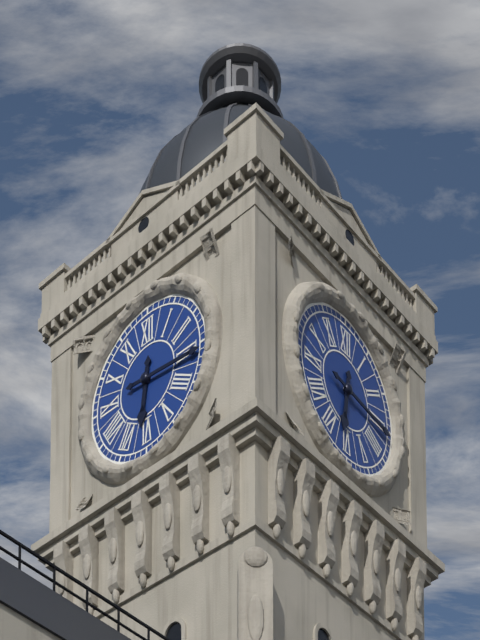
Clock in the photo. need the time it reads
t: 6:16
